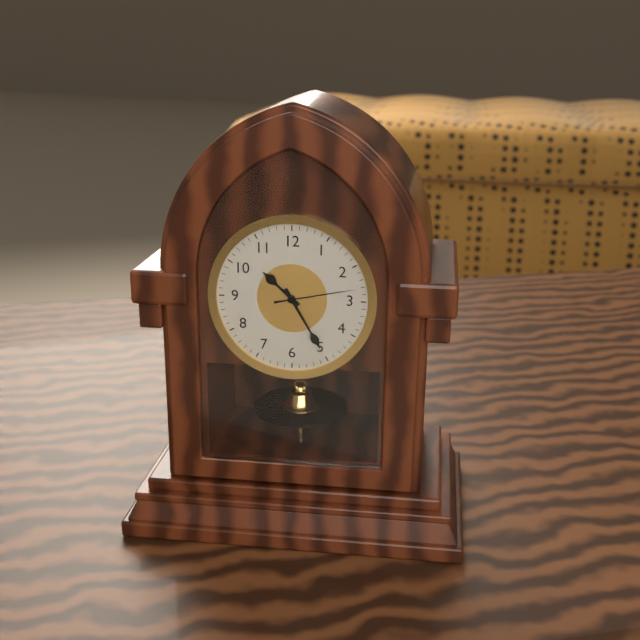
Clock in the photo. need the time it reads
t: 10:25:13
